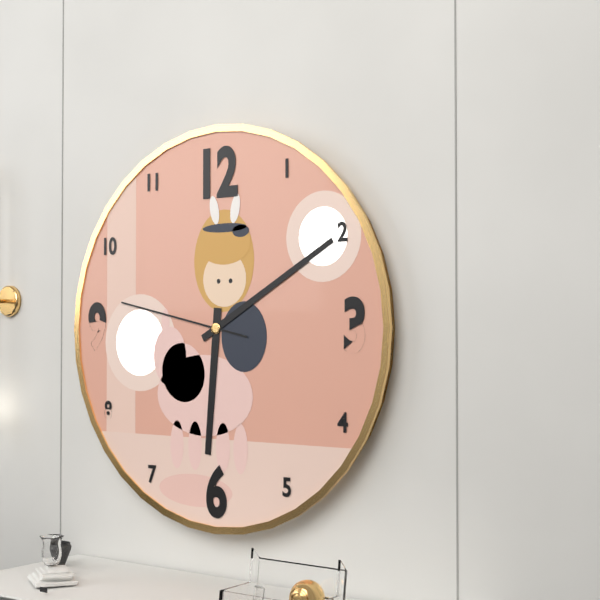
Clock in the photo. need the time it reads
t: 6:10:47
